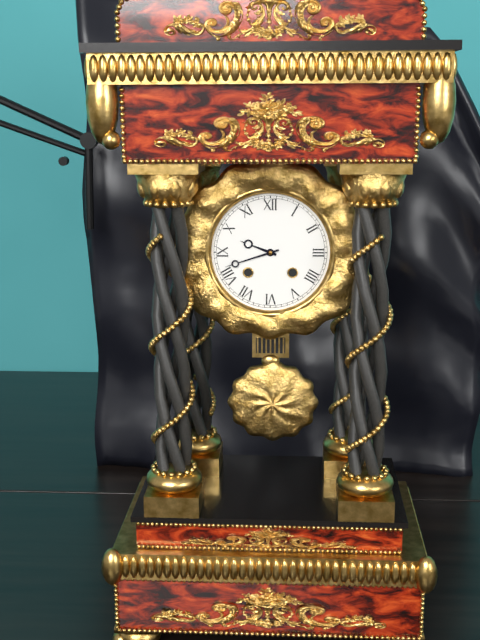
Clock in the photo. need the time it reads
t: 9:42
